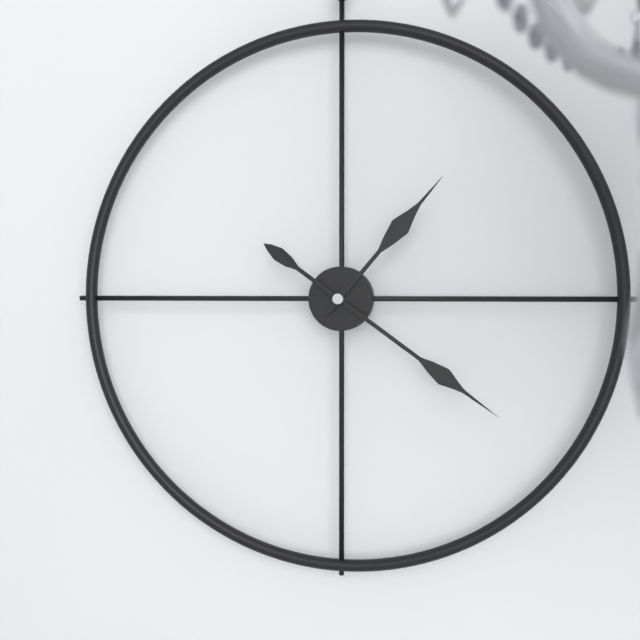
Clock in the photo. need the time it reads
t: 1:21
